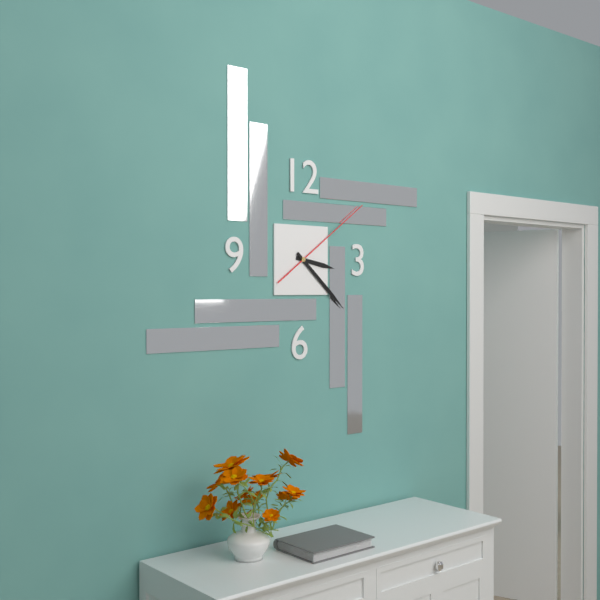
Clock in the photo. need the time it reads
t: 3:22:09
